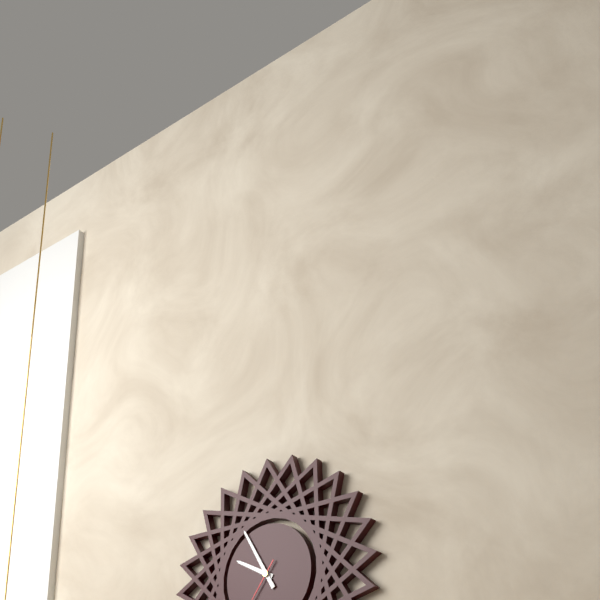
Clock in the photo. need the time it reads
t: 9:55
